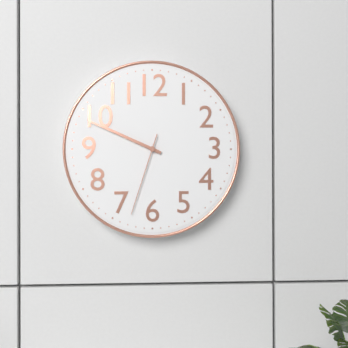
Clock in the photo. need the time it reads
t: 9:49:33
